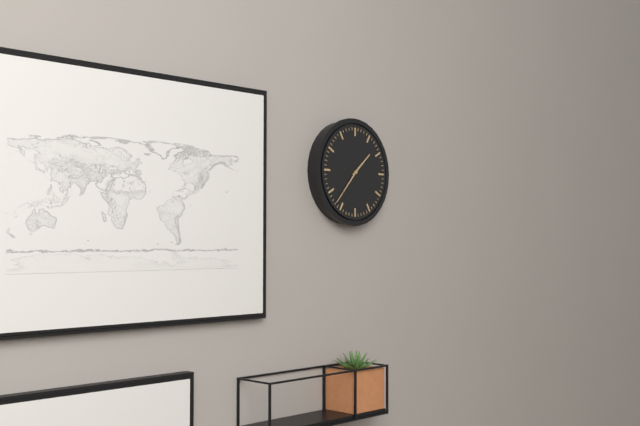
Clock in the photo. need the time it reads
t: 1:37
